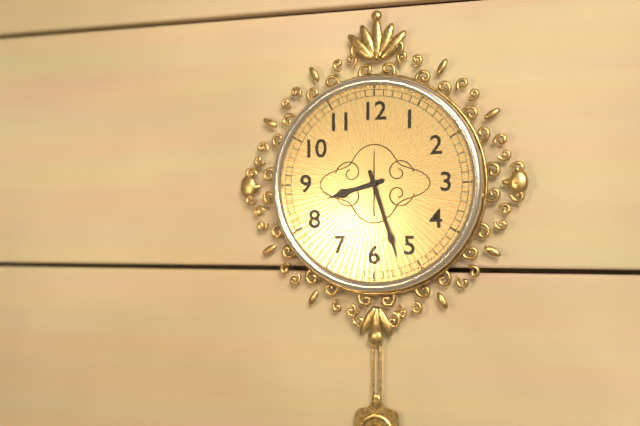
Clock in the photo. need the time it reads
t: 8:27
